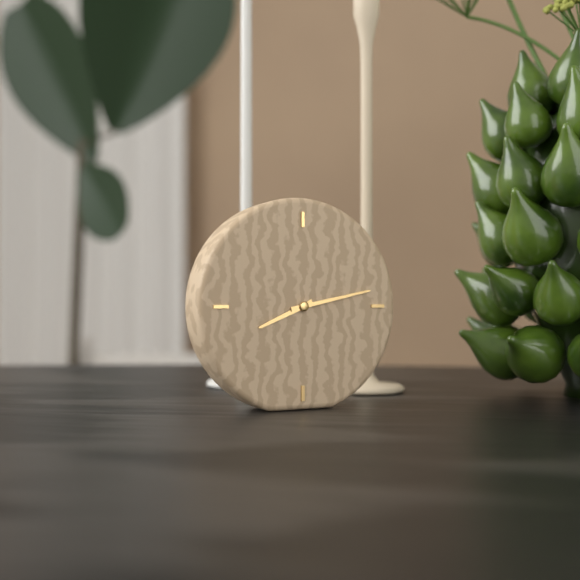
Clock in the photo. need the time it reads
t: 8:13
